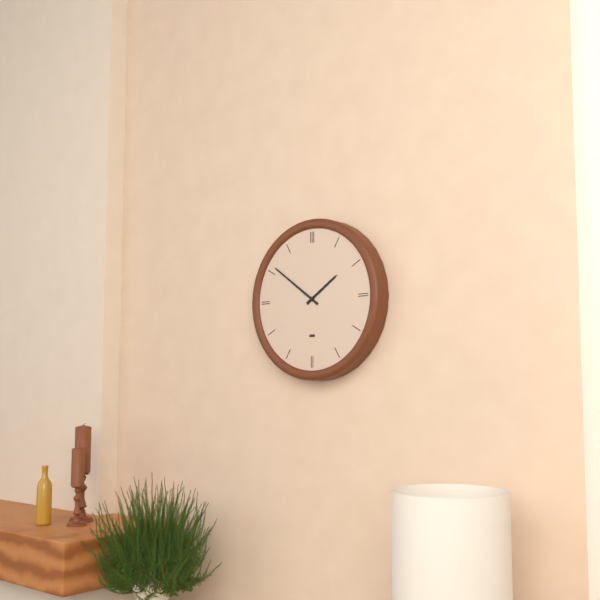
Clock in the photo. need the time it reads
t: 1:51
